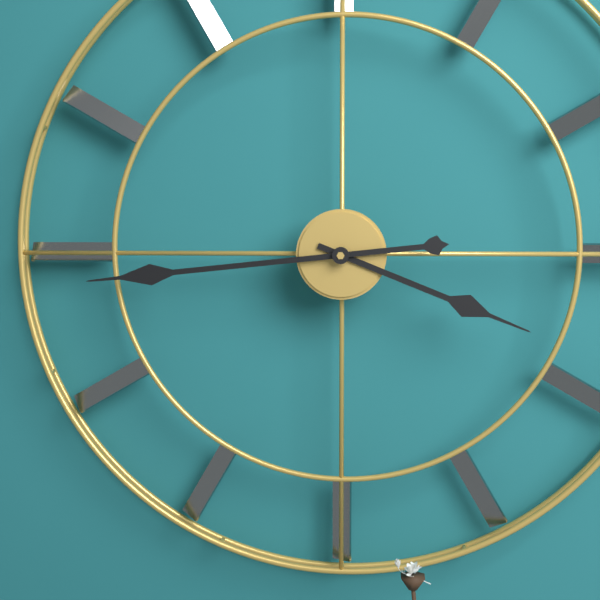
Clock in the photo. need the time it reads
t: 3:44
